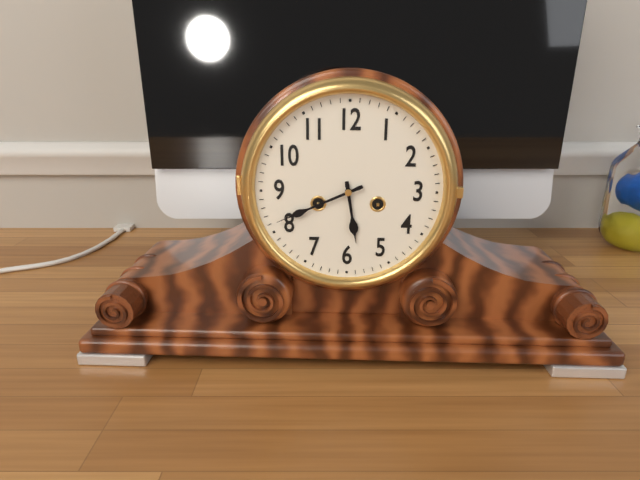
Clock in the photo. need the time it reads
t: 5:41
